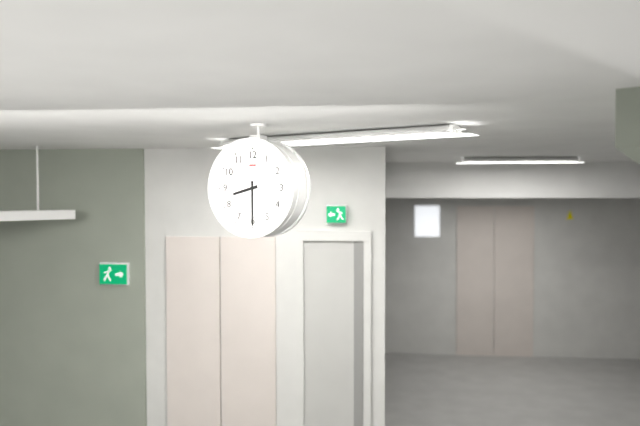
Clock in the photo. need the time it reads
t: 8:30
